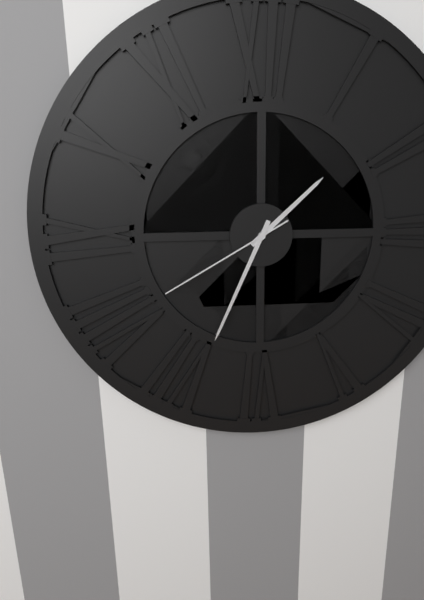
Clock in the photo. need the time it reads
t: 1:34:40
